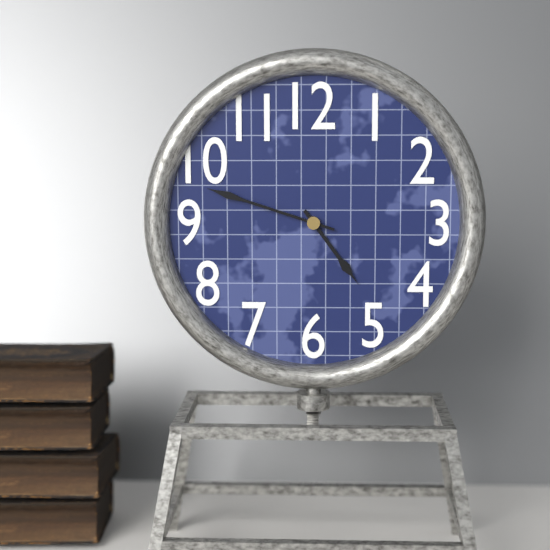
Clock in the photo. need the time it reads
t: 4:48
